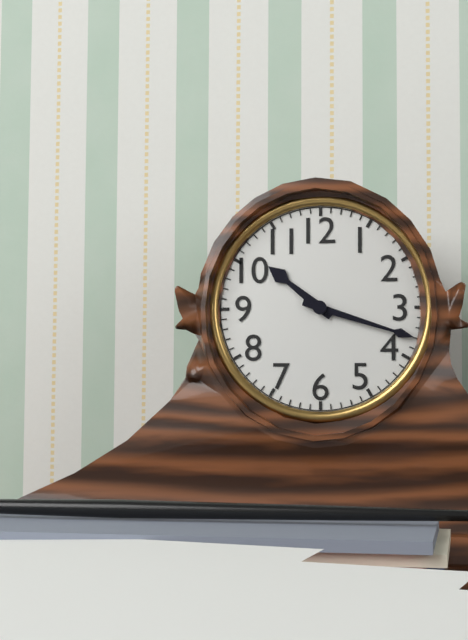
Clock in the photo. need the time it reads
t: 10:18
